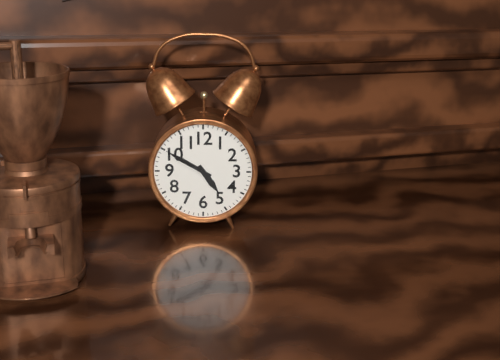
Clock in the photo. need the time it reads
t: 4:50
